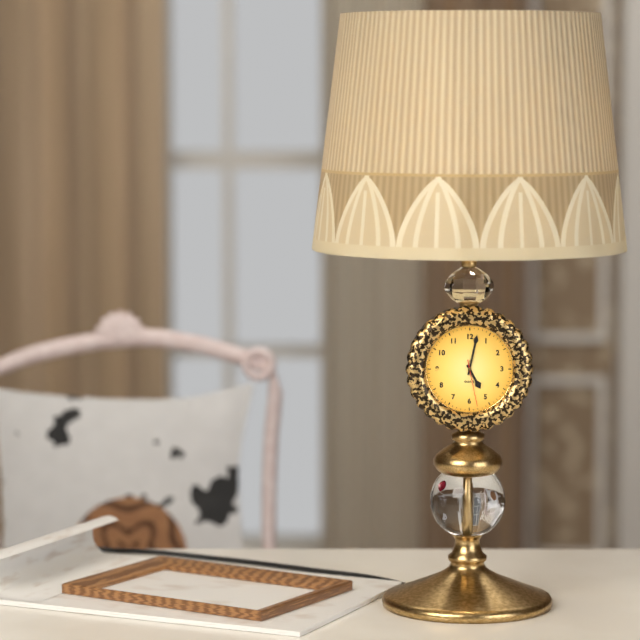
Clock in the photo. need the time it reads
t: 5:02
